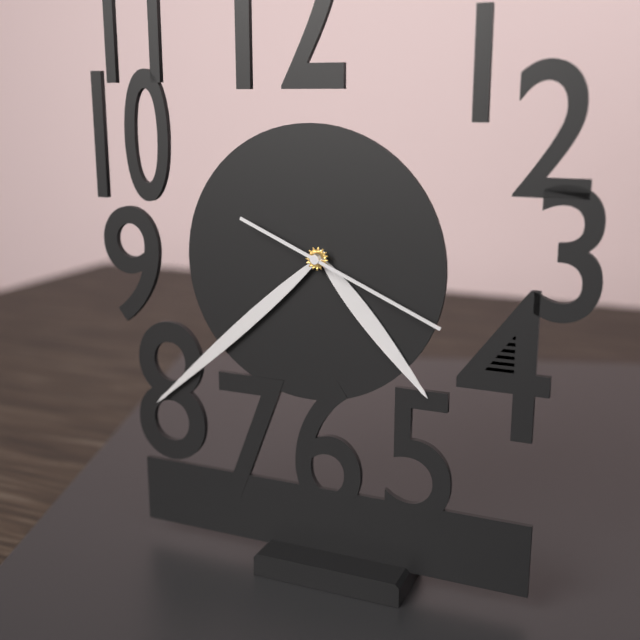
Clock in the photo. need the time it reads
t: 4:38:19
